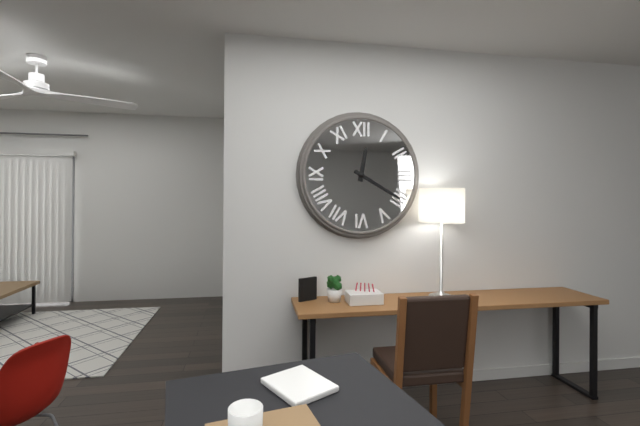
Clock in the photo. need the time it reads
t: 12:20
